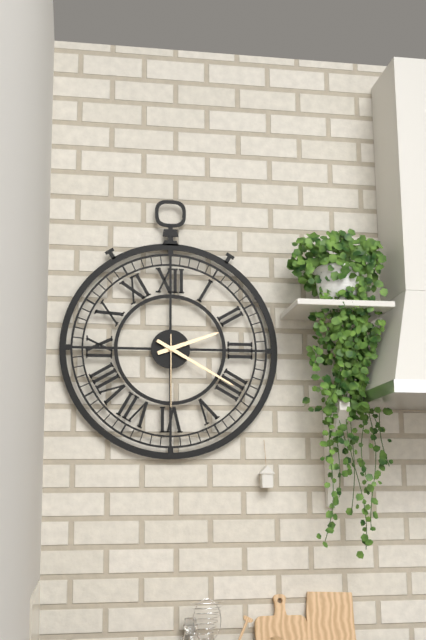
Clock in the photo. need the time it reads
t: 2:20:30
